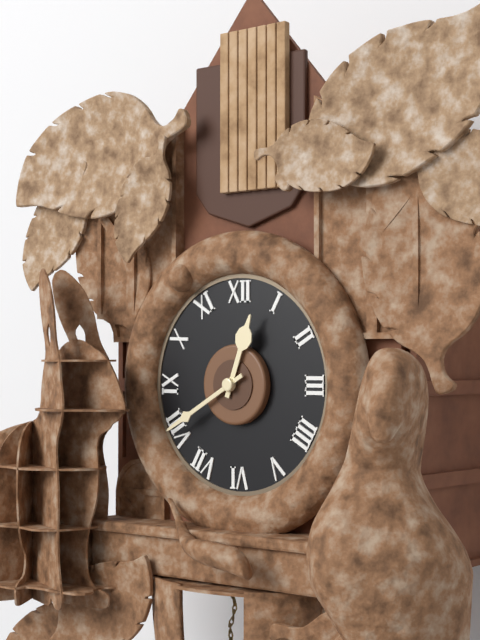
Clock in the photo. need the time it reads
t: 12:40
